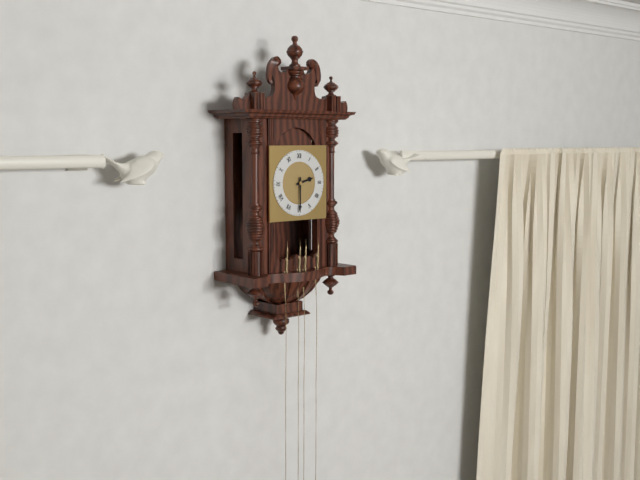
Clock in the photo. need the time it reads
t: 2:30
